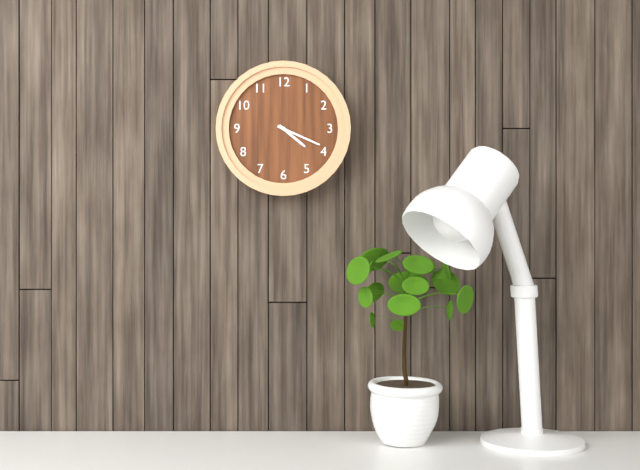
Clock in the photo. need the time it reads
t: 4:19
